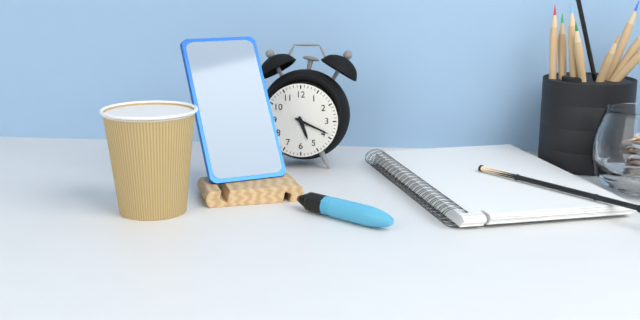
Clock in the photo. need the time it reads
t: 5:19
